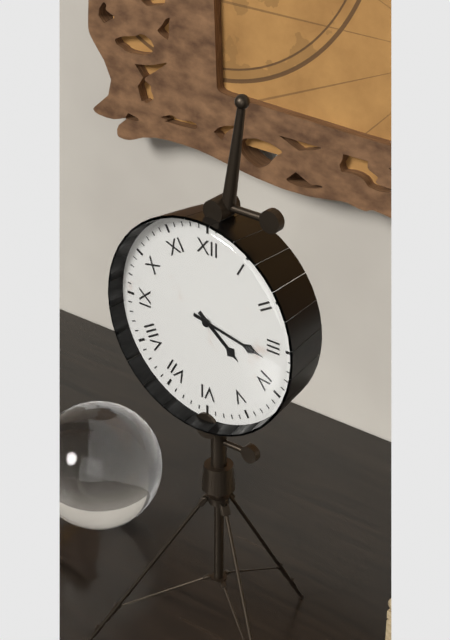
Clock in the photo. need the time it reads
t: 4:17
